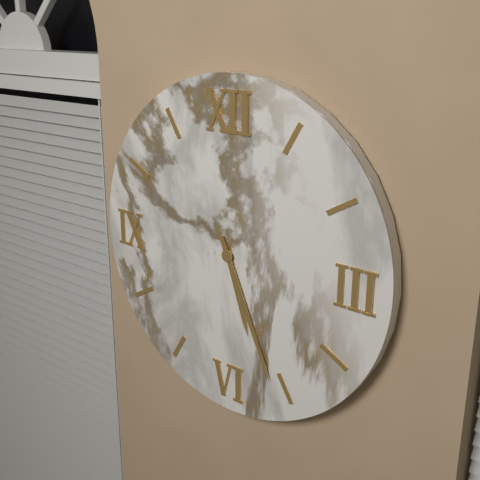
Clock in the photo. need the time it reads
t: 5:26
